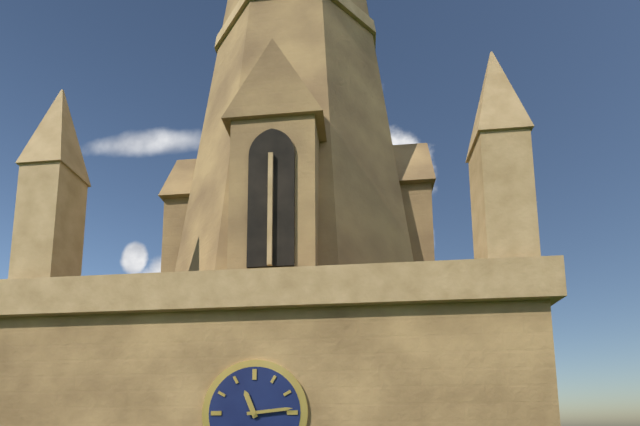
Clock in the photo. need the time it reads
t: 11:14
